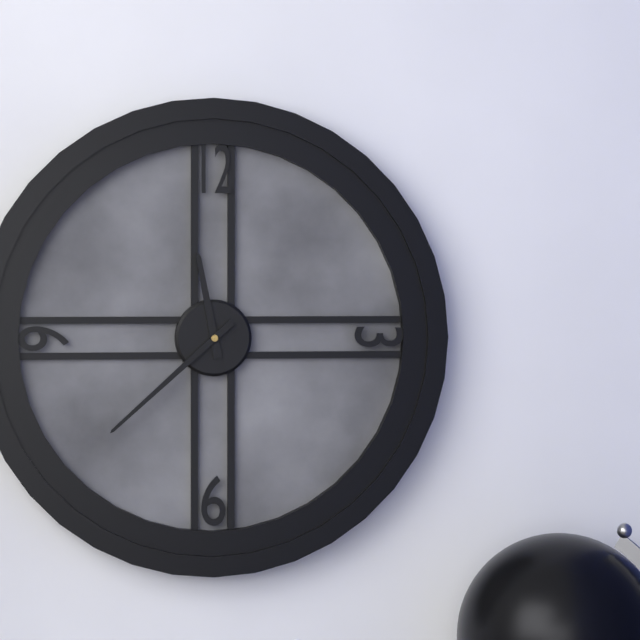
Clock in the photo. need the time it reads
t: 11:38
